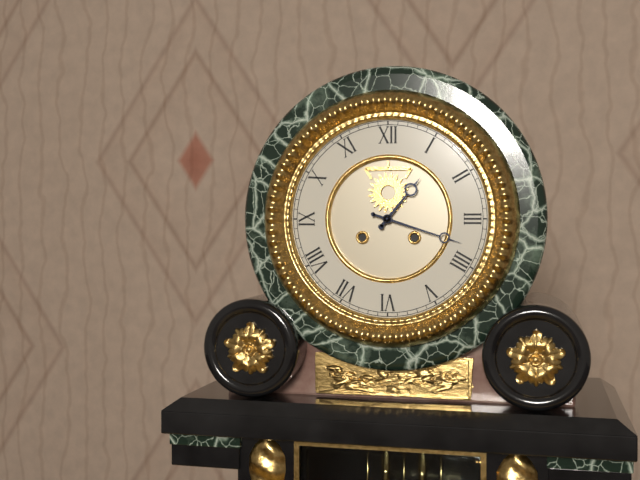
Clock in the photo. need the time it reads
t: 1:18
